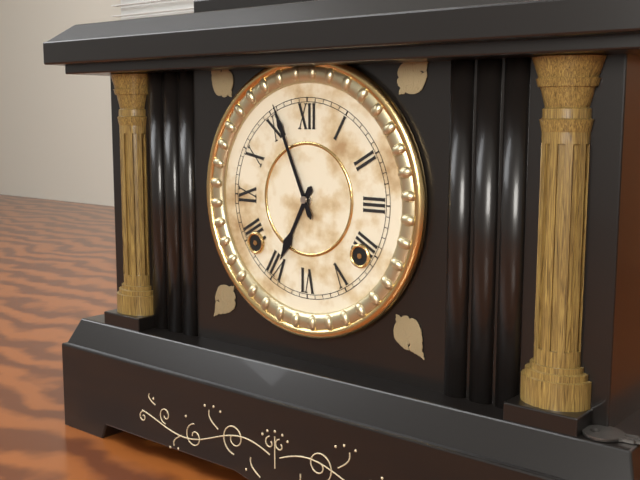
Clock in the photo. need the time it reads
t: 6:56
